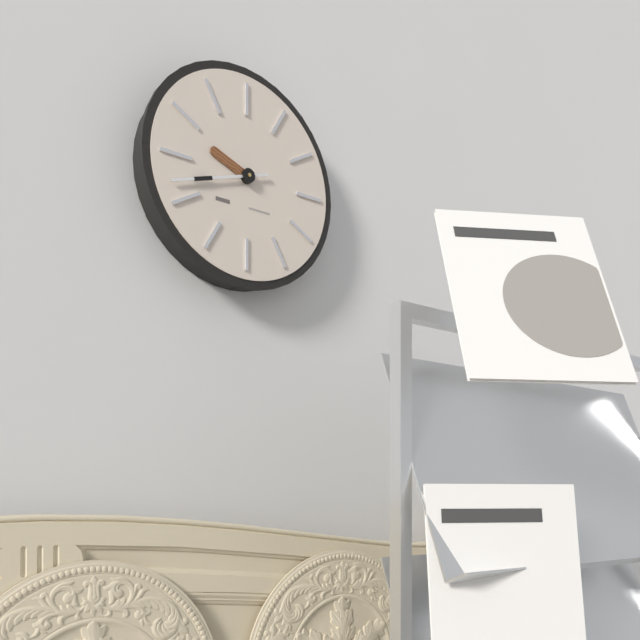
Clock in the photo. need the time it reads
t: 9:42
